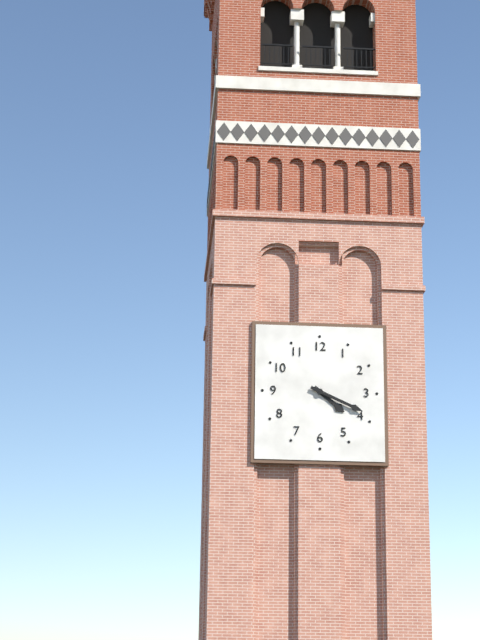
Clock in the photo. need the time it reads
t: 4:19
